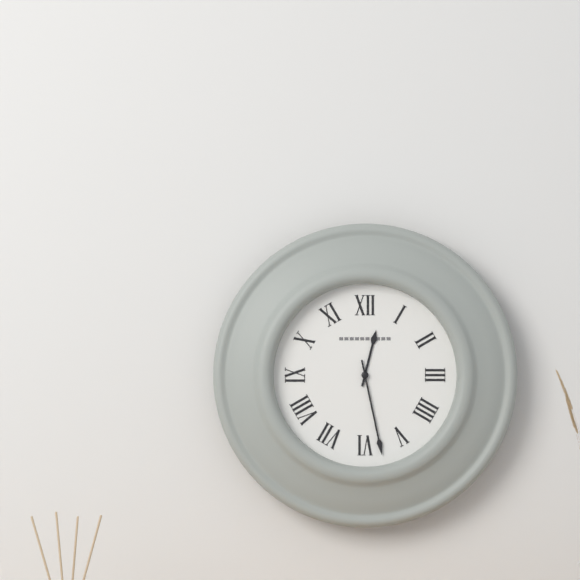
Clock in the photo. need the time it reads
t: 12:28
